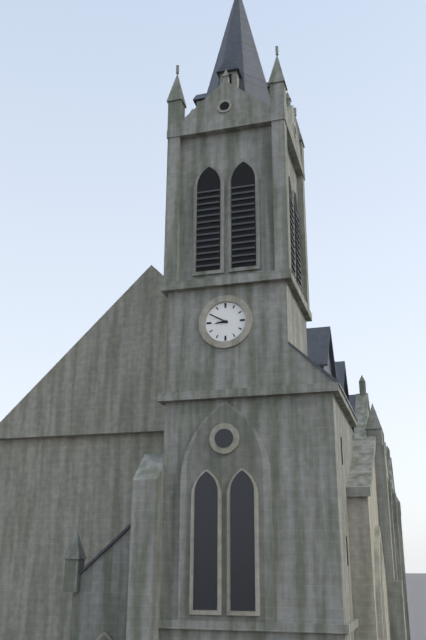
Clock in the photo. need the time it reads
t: 8:50
